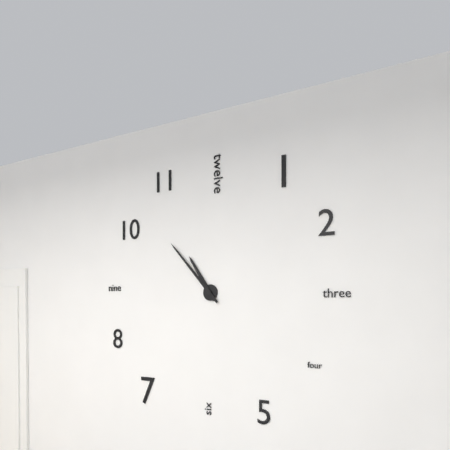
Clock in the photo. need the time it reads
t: 10:53
